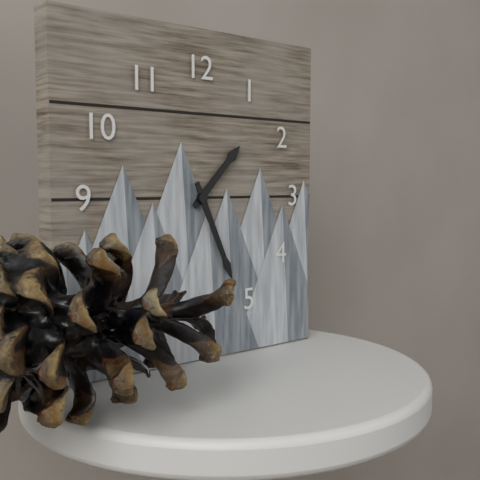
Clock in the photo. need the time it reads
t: 1:26
